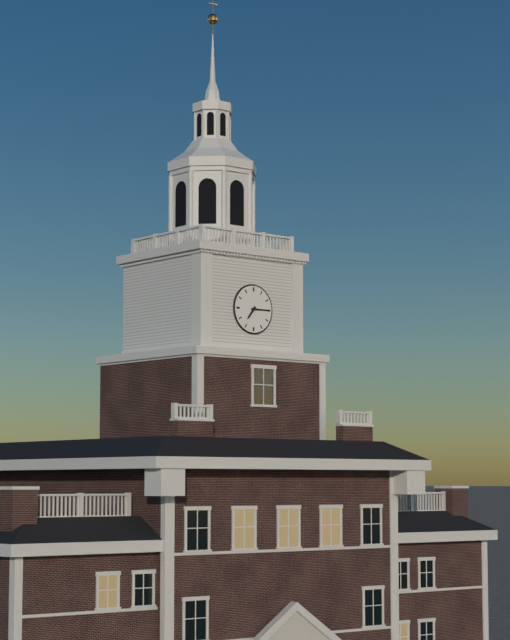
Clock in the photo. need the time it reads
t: 7:15
